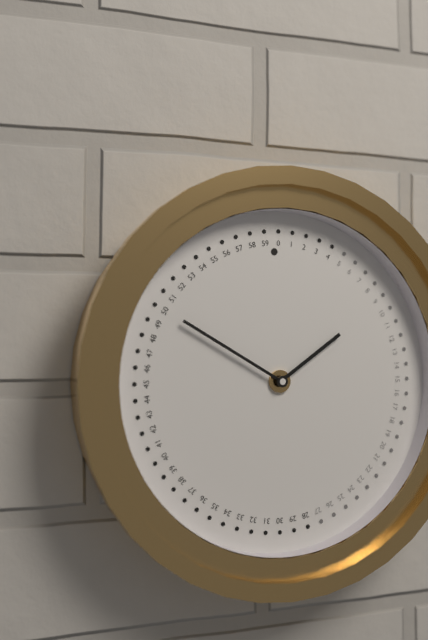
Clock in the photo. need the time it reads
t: 1:50
